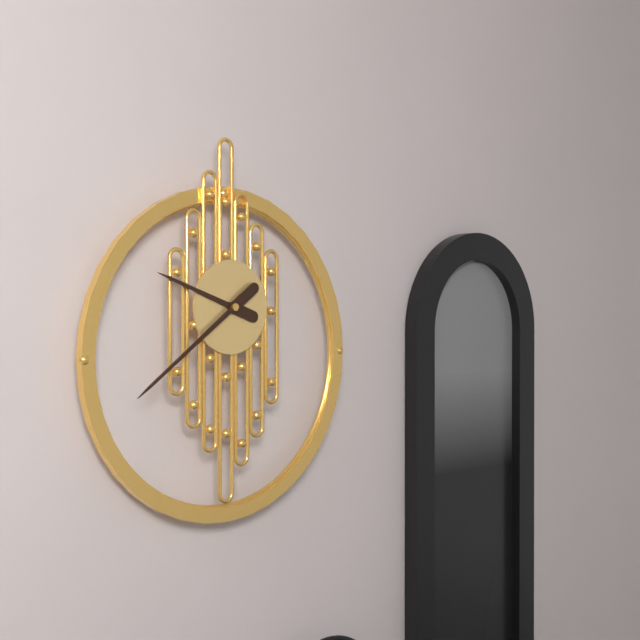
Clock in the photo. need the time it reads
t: 9:39
